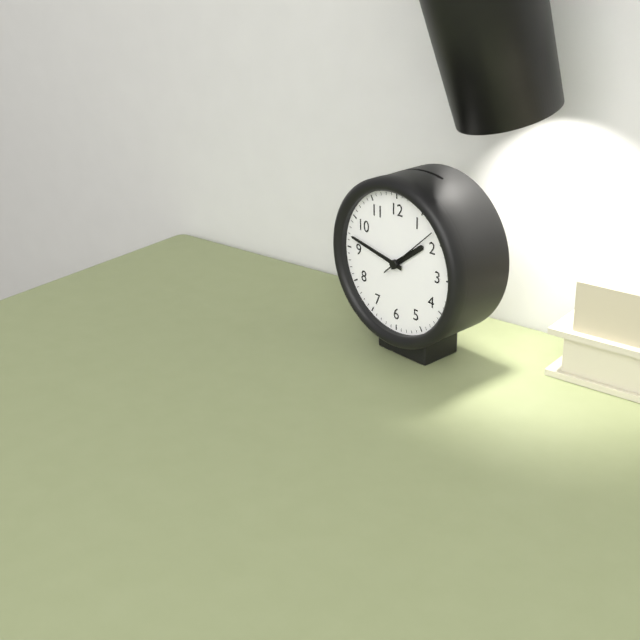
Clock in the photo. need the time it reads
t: 1:47:08
